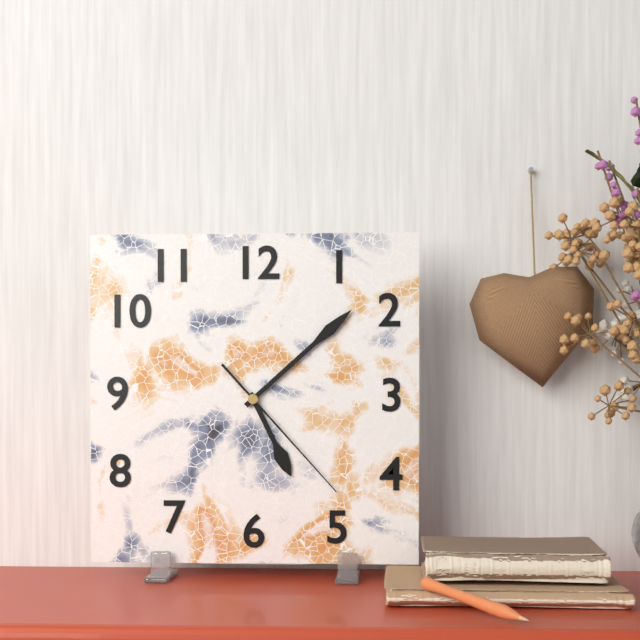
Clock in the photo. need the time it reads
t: 5:08:23
